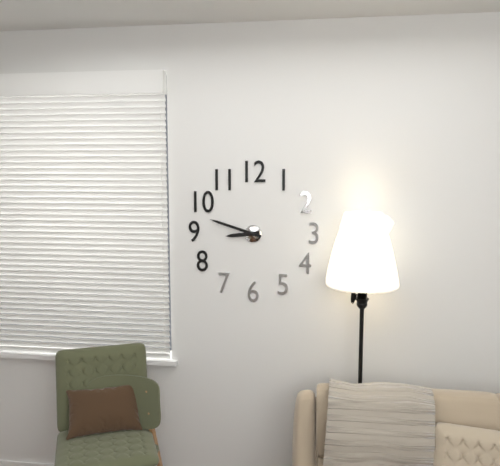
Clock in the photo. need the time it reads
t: 8:48
